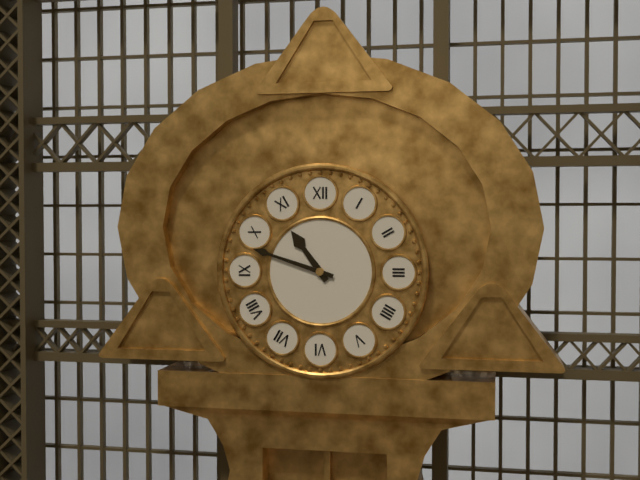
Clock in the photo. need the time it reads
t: 10:48
